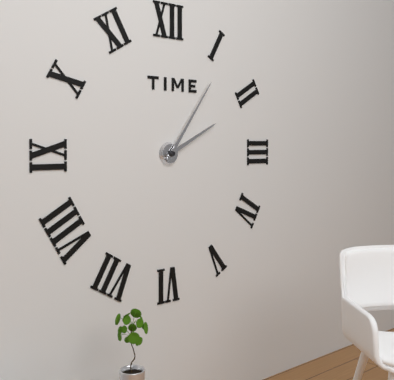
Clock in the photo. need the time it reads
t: 2:06
